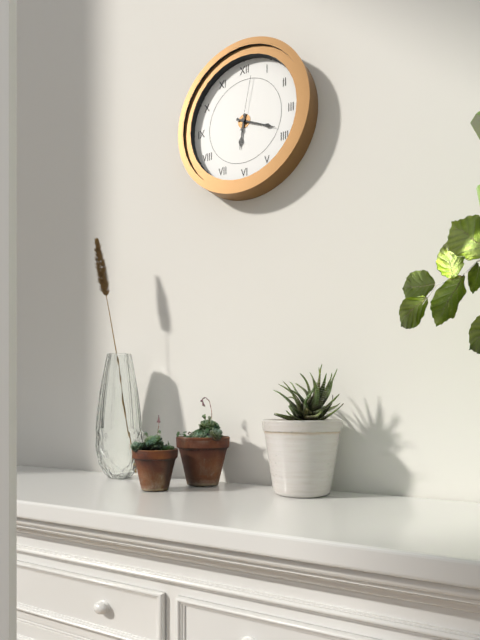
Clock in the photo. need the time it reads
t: 6:19:02
